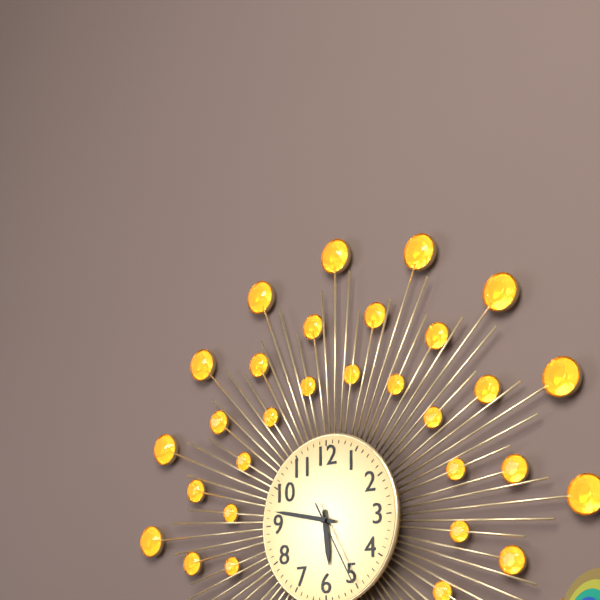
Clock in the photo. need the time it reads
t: 5:47:25
